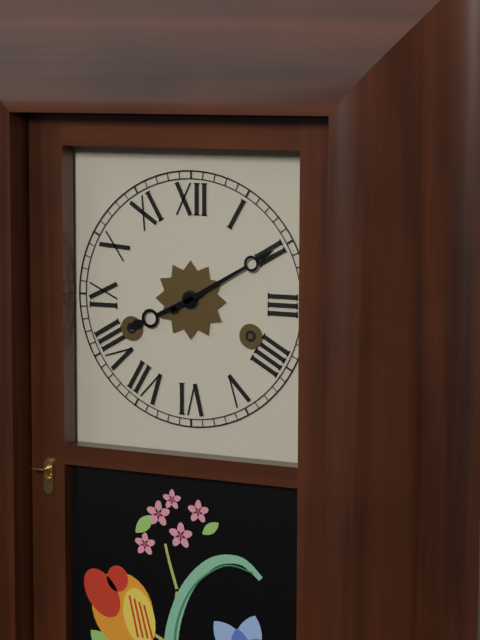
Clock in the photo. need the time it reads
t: 8:10
